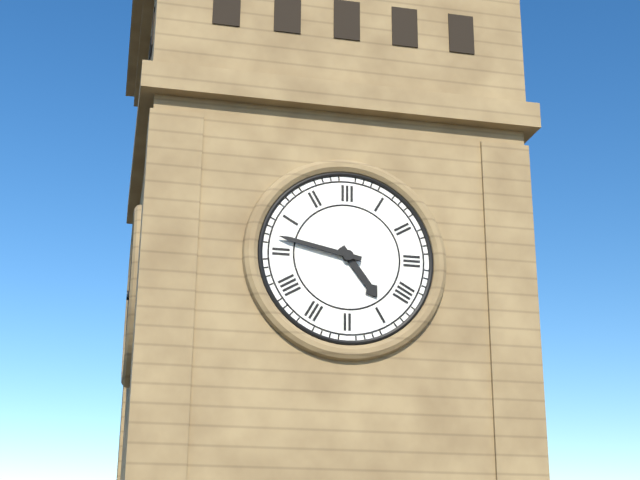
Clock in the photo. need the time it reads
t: 4:47
